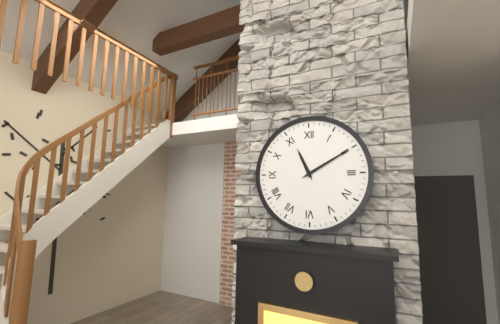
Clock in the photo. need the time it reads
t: 11:10
